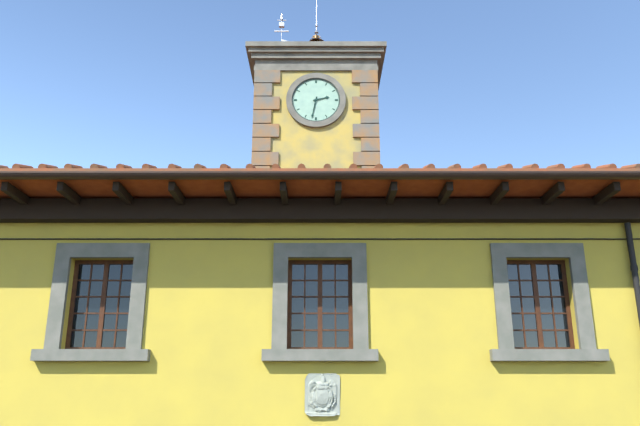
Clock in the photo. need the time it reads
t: 2:32
